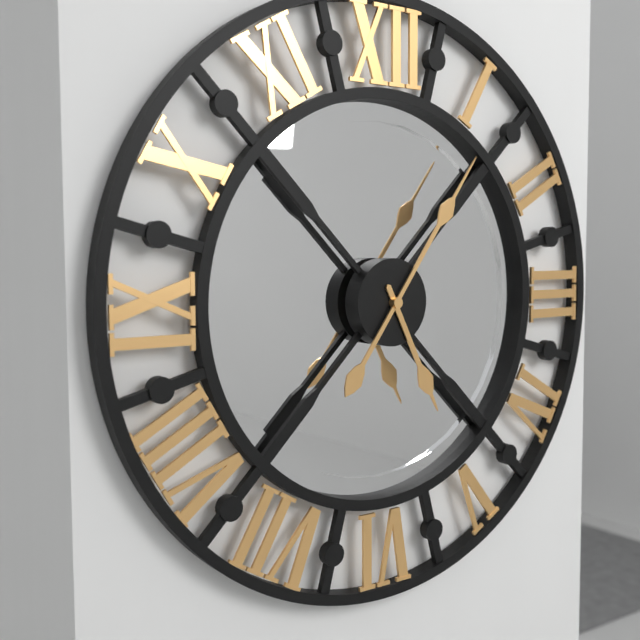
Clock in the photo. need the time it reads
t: 5:06
